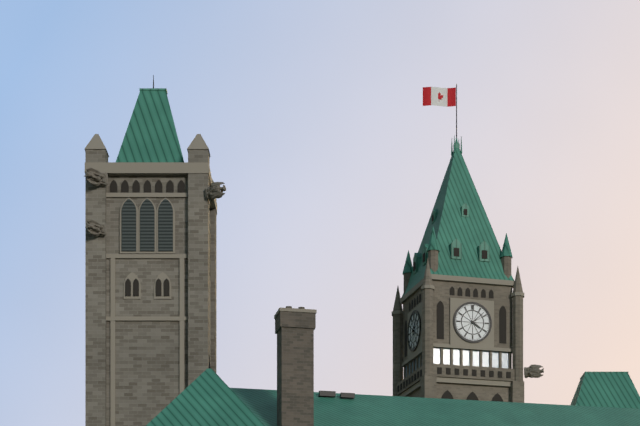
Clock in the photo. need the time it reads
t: 4:08
